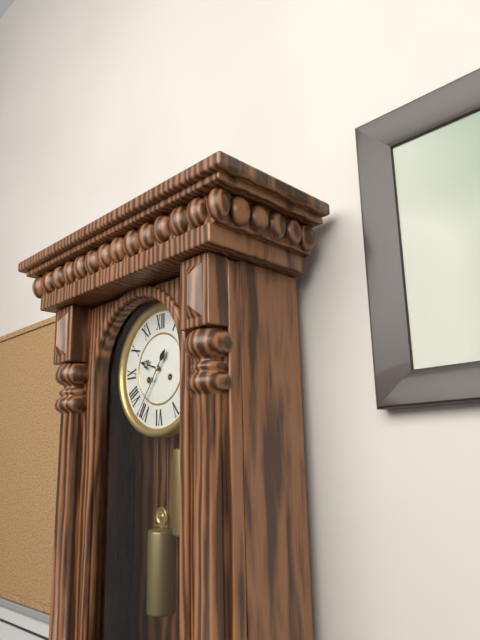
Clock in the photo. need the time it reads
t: 9:36
